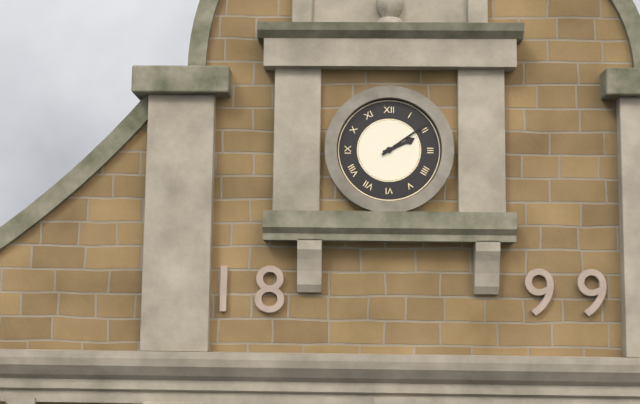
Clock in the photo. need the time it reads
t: 2:09
